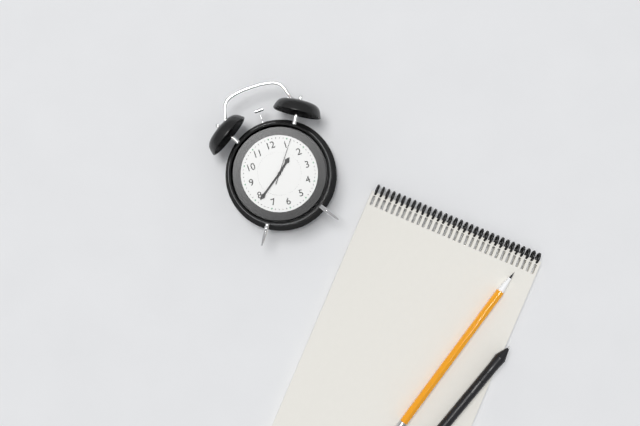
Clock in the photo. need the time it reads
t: 1:39
